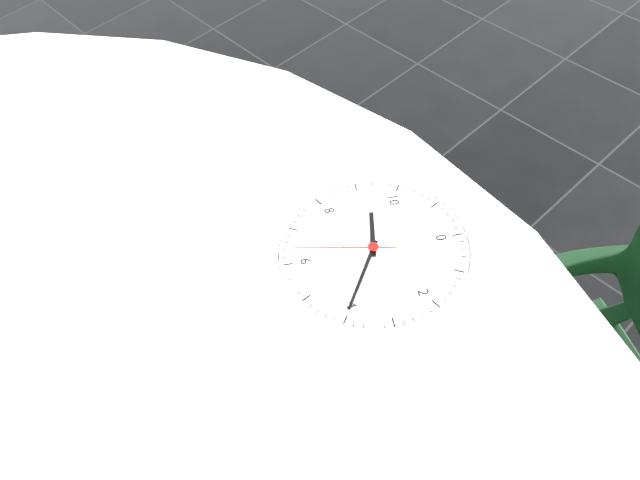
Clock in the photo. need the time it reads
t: 9:20:32
